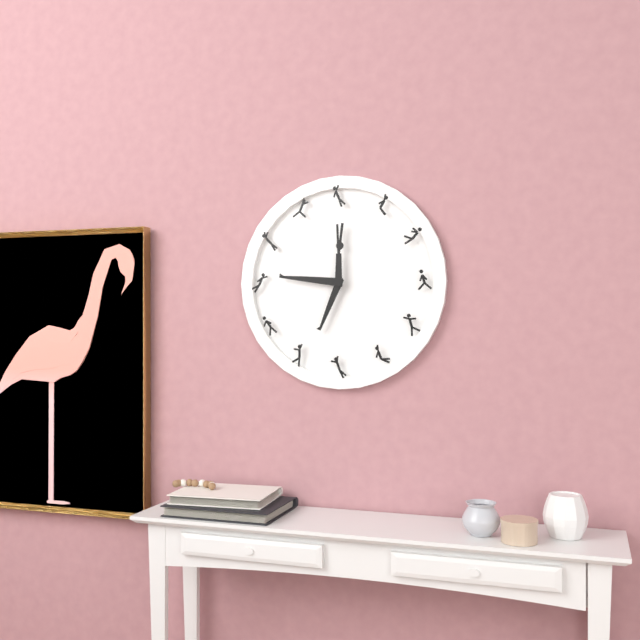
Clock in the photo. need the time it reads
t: 6:46
